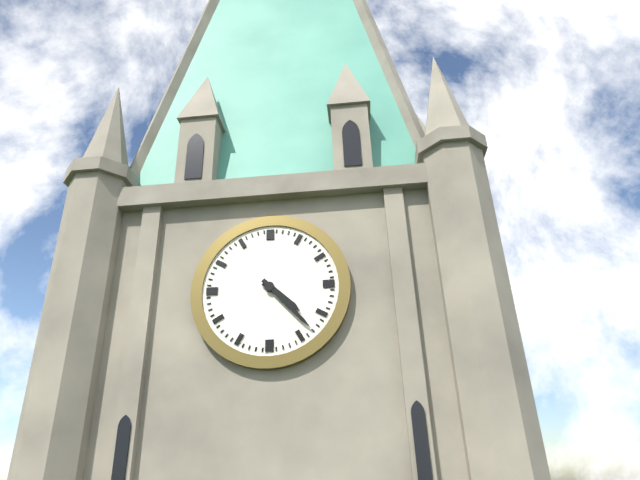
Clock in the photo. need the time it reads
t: 4:23
